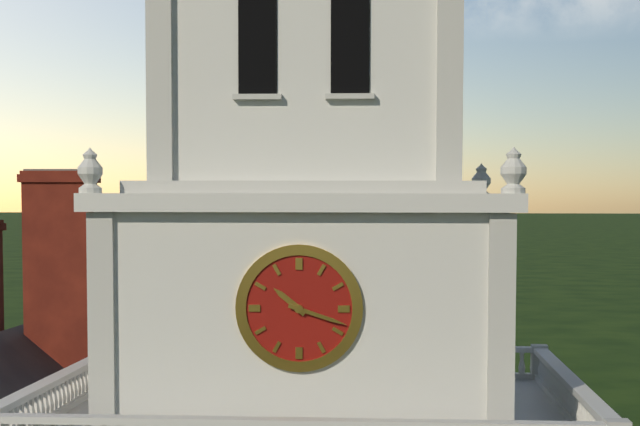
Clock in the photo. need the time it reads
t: 10:18
